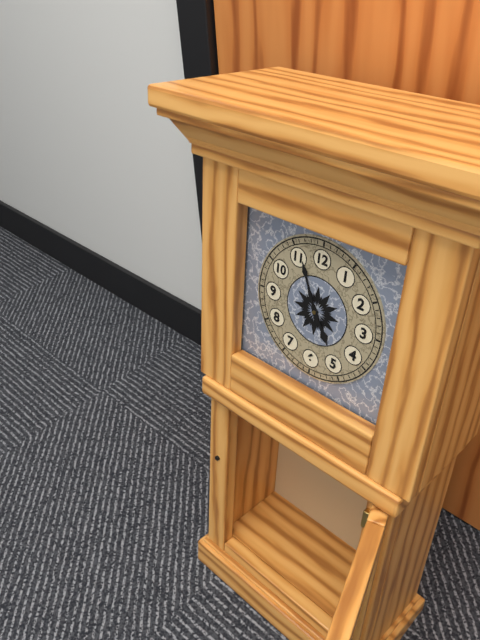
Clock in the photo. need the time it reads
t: 4:56
